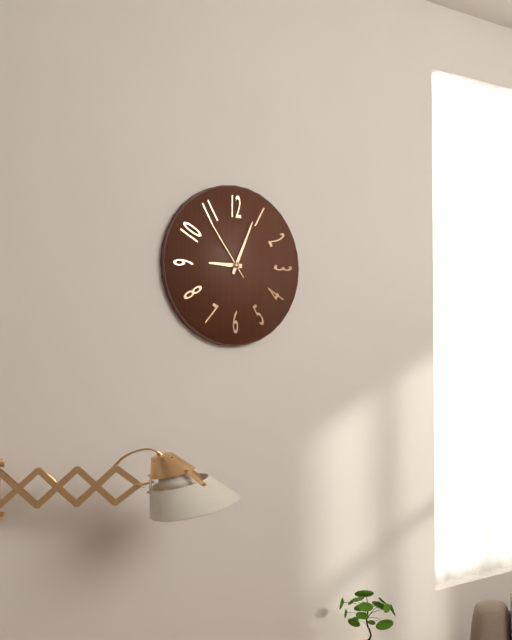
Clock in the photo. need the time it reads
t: 9:04:54
